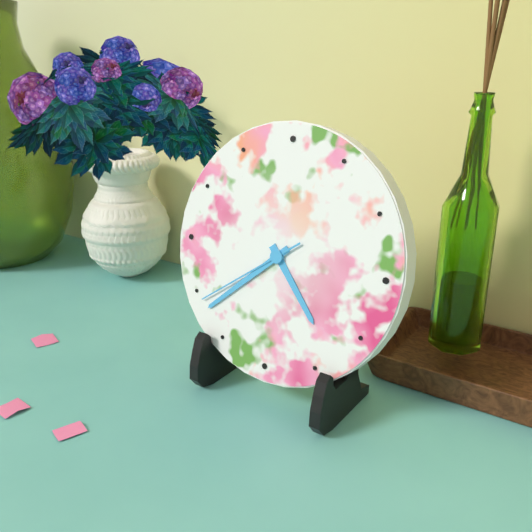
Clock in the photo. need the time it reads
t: 4:38:39
